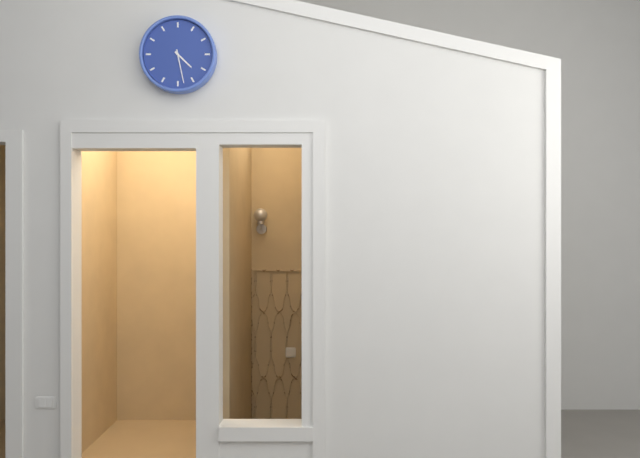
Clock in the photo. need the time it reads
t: 4:28
